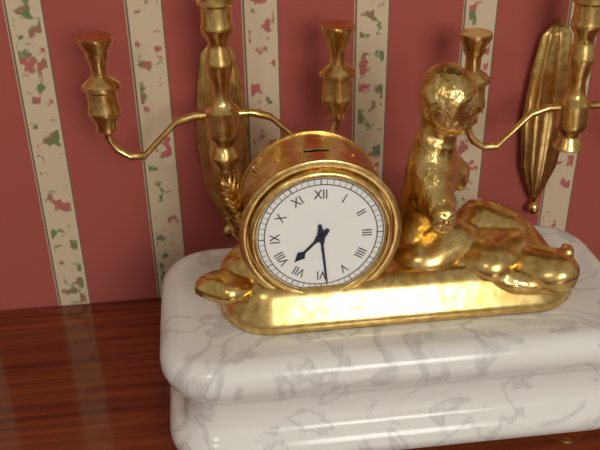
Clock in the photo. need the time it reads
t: 7:29
